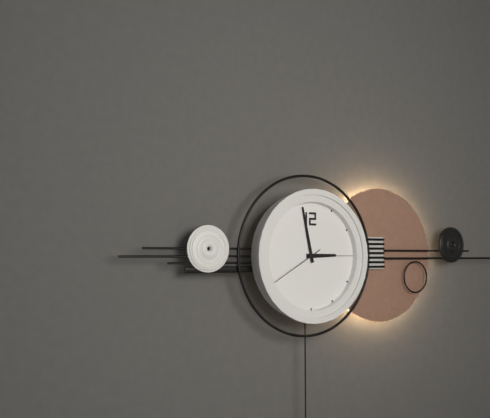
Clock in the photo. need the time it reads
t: 2:58:40
